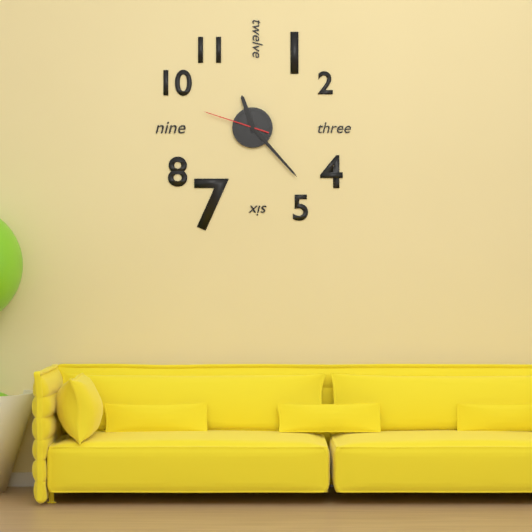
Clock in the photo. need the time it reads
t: 11:23:48
